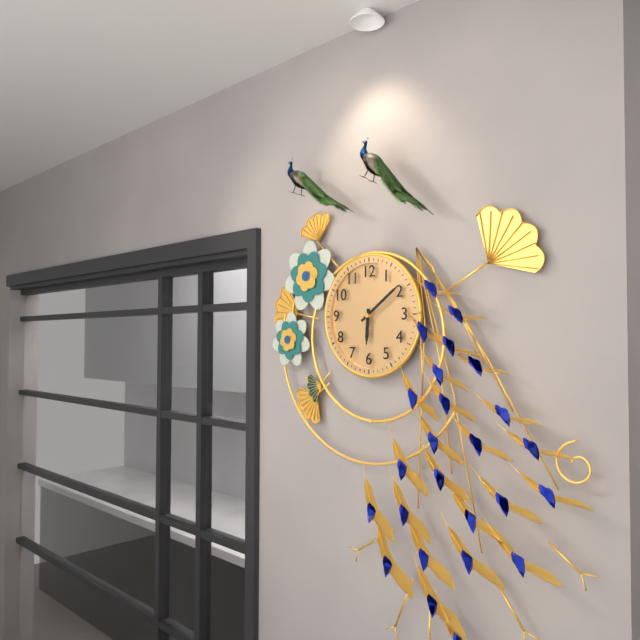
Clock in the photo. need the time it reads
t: 6:09
